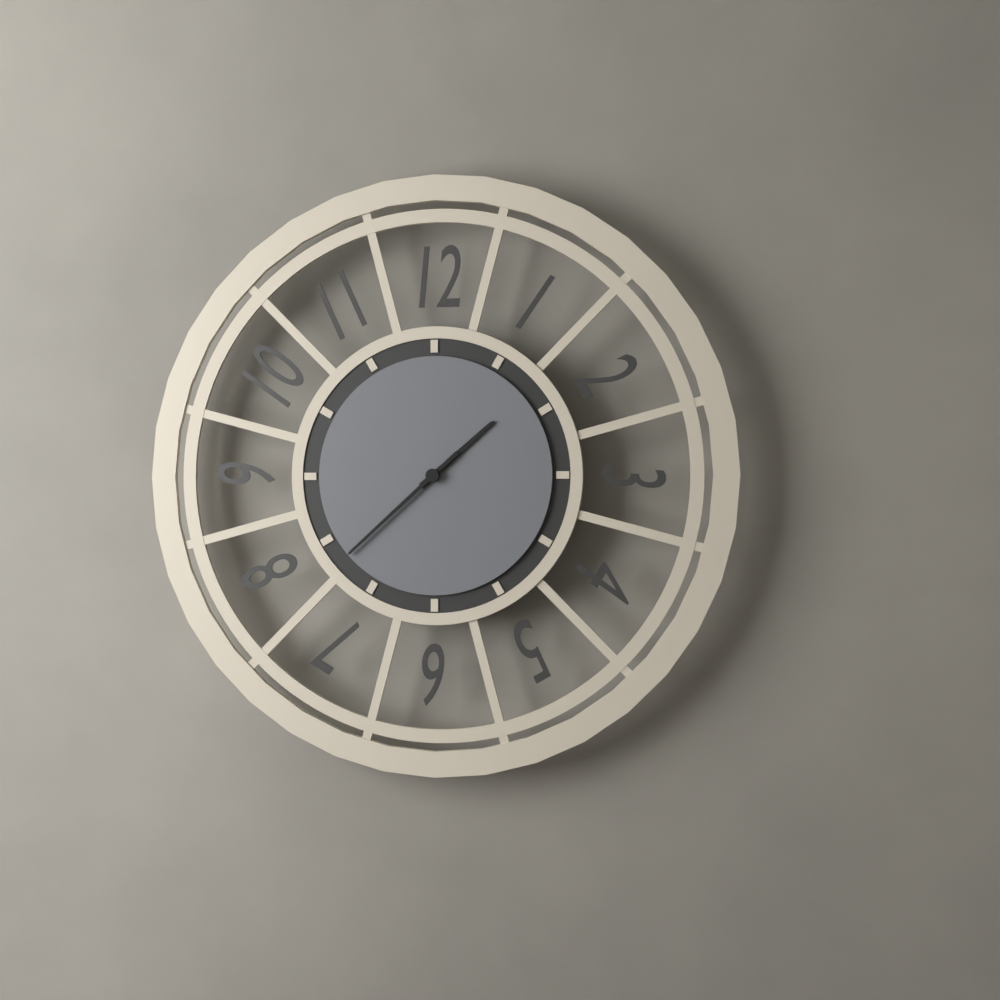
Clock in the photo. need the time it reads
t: 1:38
